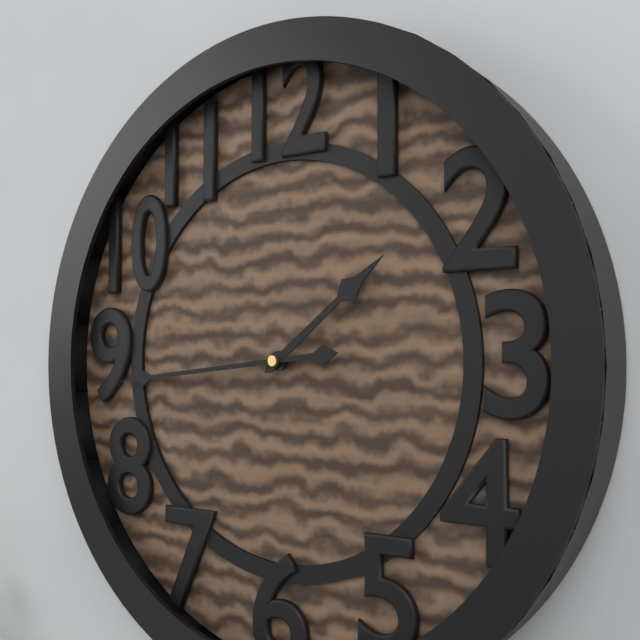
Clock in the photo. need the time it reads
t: 1:44
